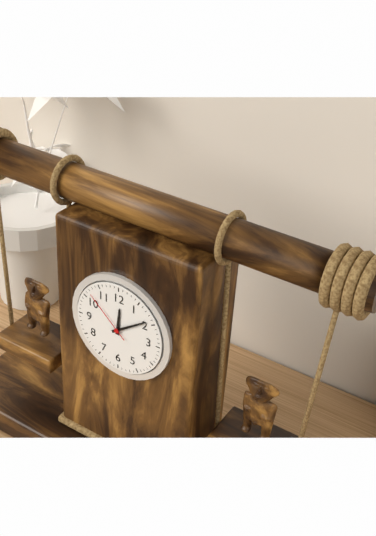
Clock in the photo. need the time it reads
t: 12:09:52
